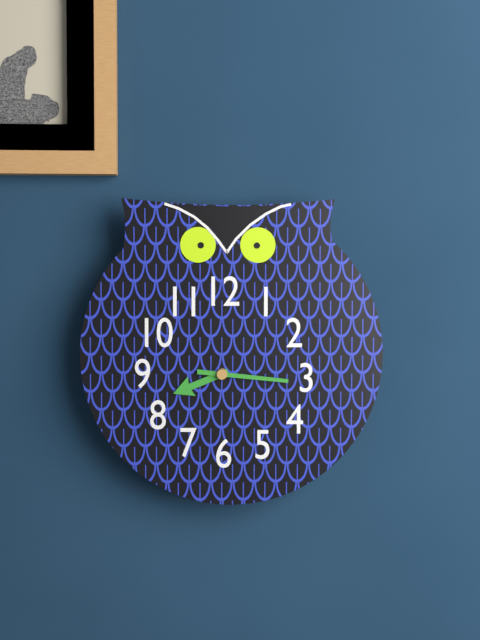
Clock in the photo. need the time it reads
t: 8:16
